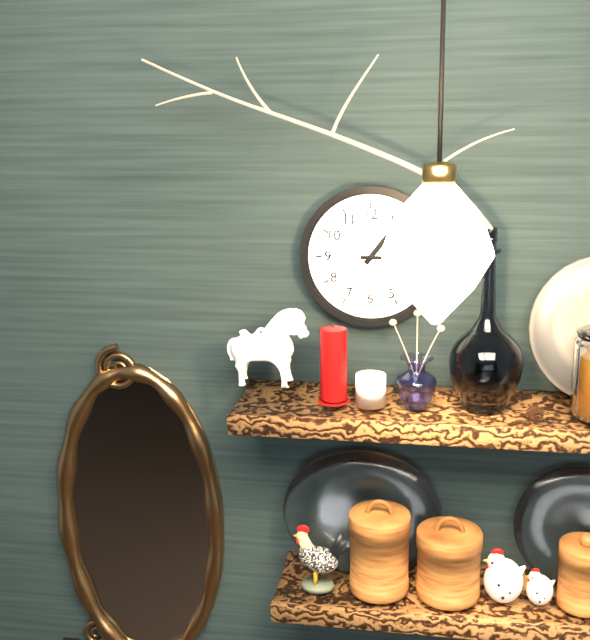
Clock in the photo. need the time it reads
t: 1:15
